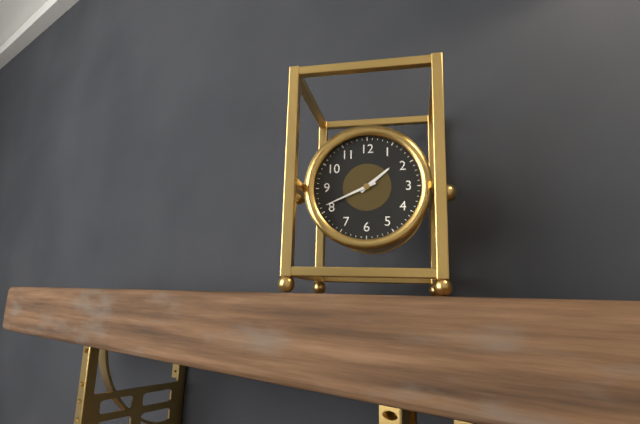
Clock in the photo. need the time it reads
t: 1:41
